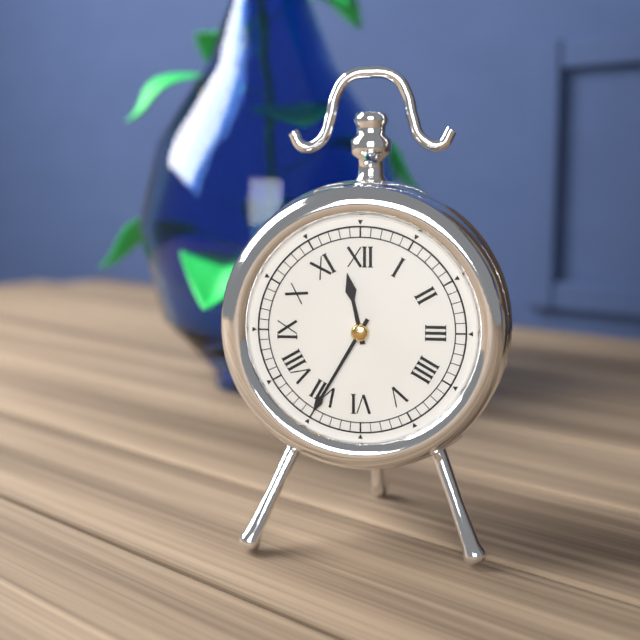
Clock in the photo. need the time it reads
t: 11:35
